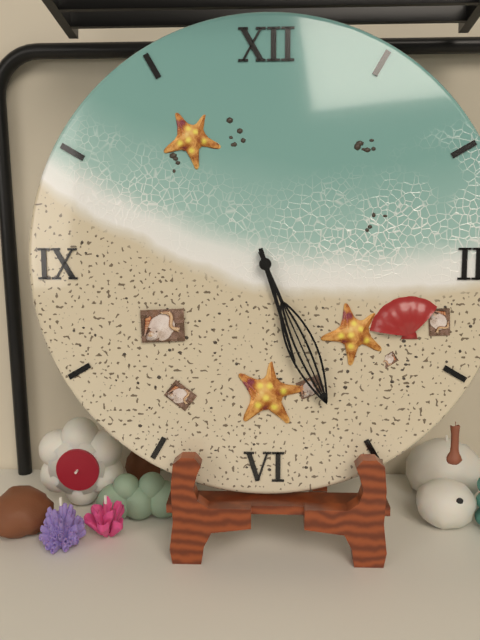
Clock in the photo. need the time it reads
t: 5:26
